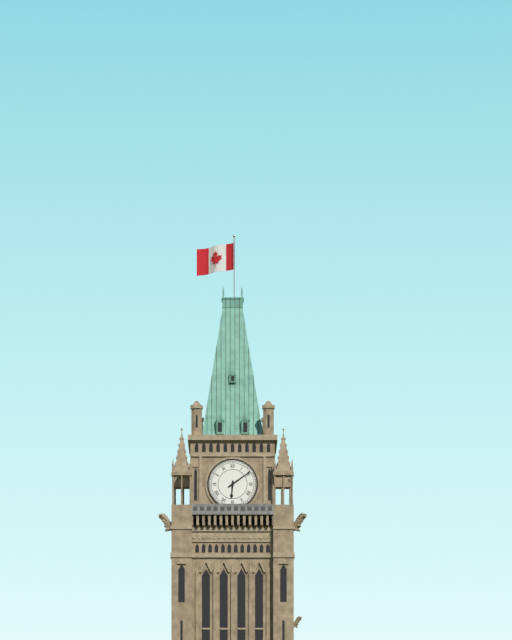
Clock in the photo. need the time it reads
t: 6:09
